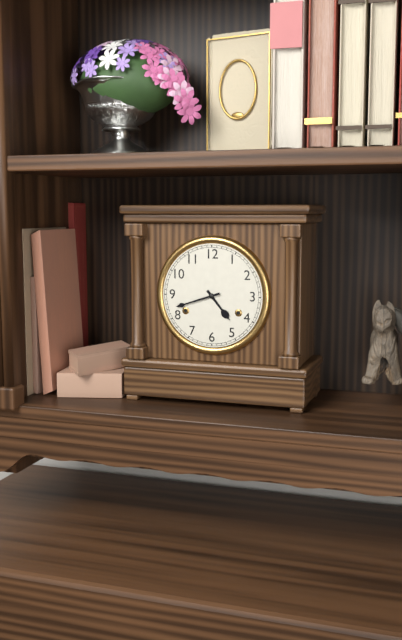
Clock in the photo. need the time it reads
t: 4:42
